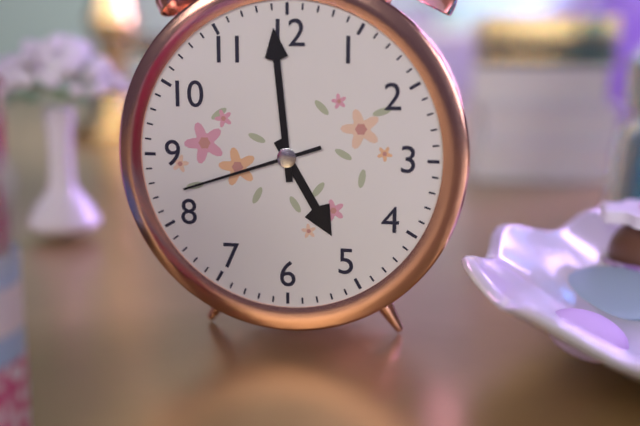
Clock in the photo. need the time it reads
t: 4:59:42
